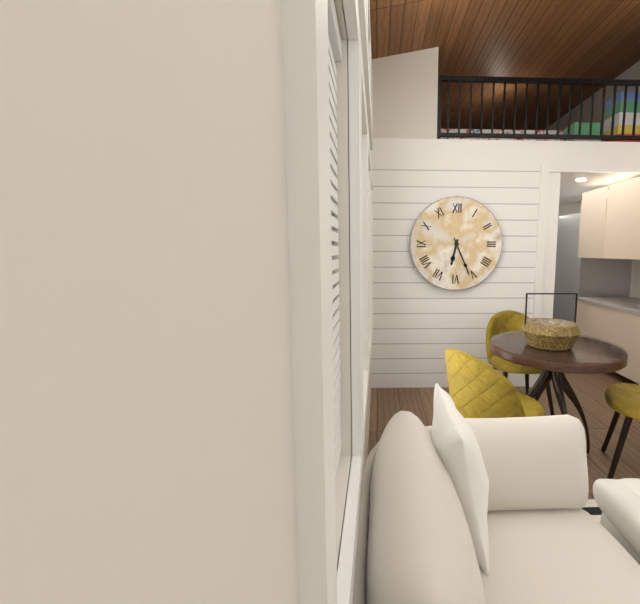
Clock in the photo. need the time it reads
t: 6:26
